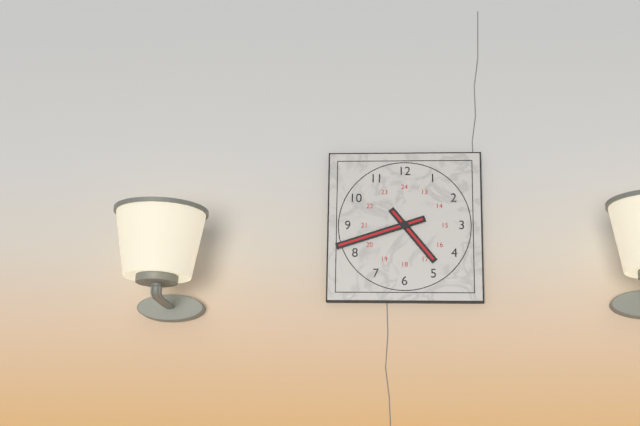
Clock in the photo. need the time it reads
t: 4:42
